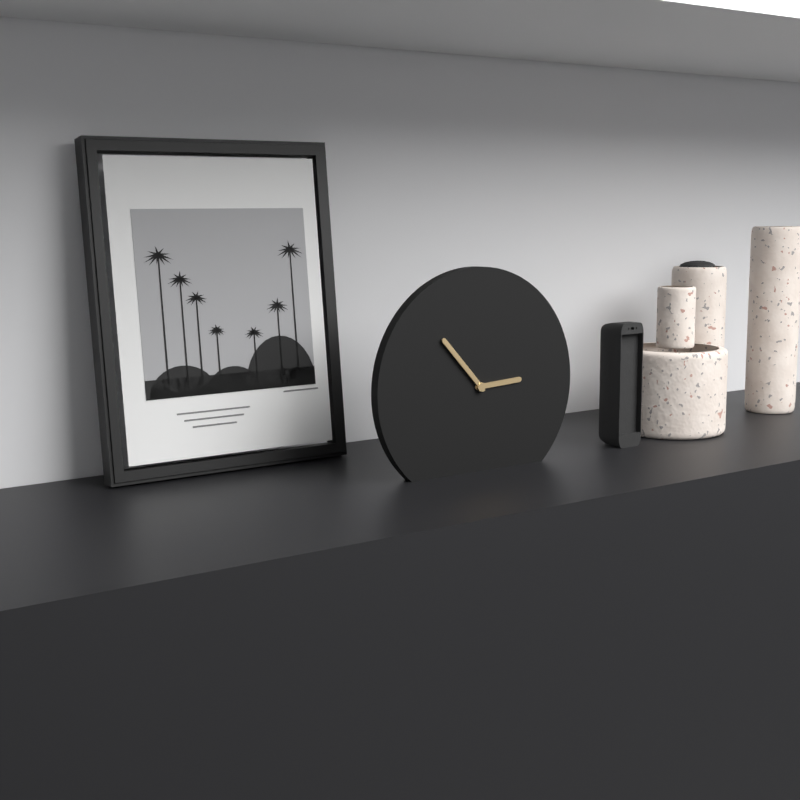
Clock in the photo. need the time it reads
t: 2:53
